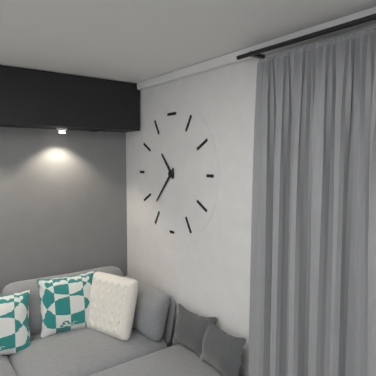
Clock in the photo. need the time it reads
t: 10:37
